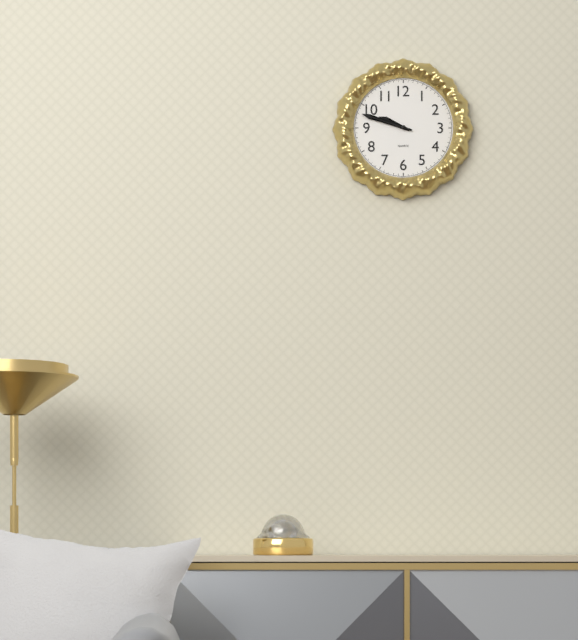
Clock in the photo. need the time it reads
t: 9:48
